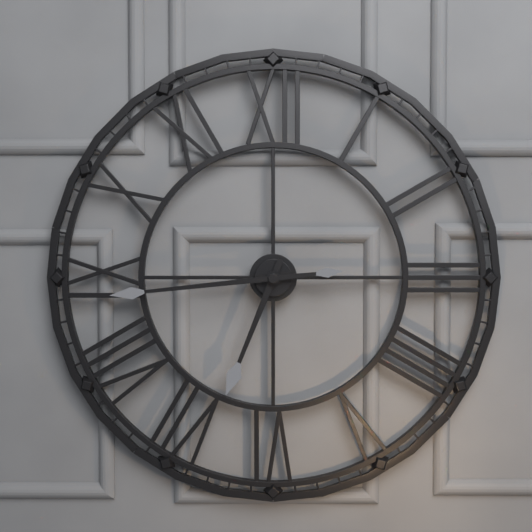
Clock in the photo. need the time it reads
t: 6:44
